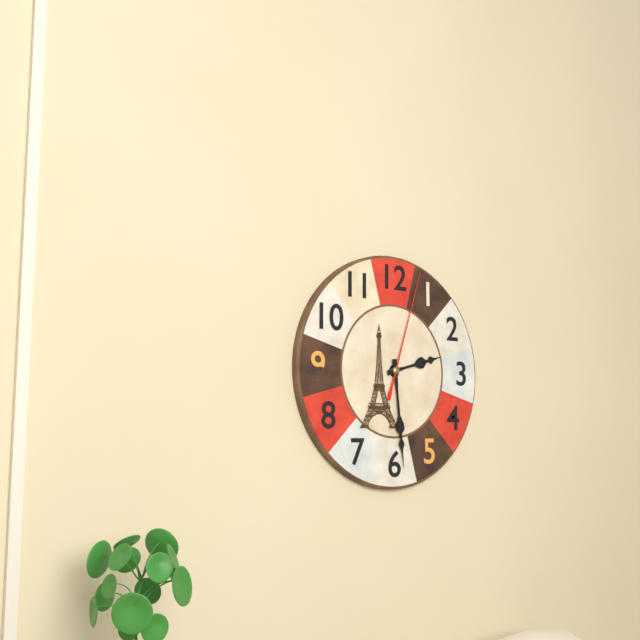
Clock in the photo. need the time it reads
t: 2:29:03
